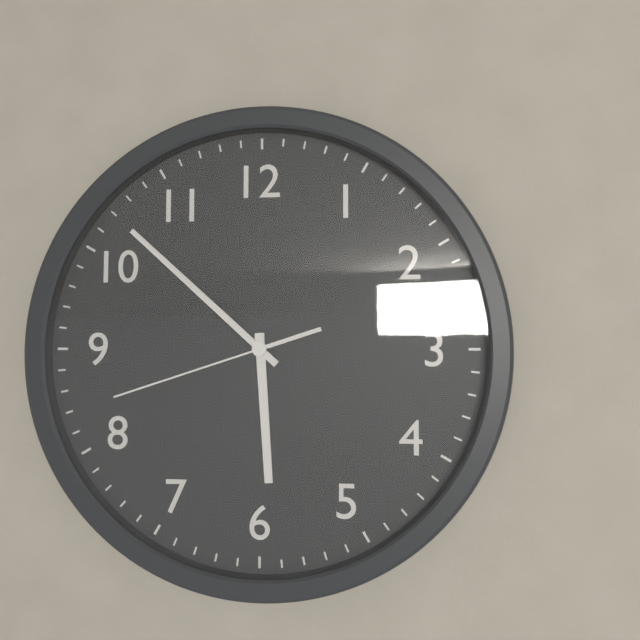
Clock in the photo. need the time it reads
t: 5:52:42
